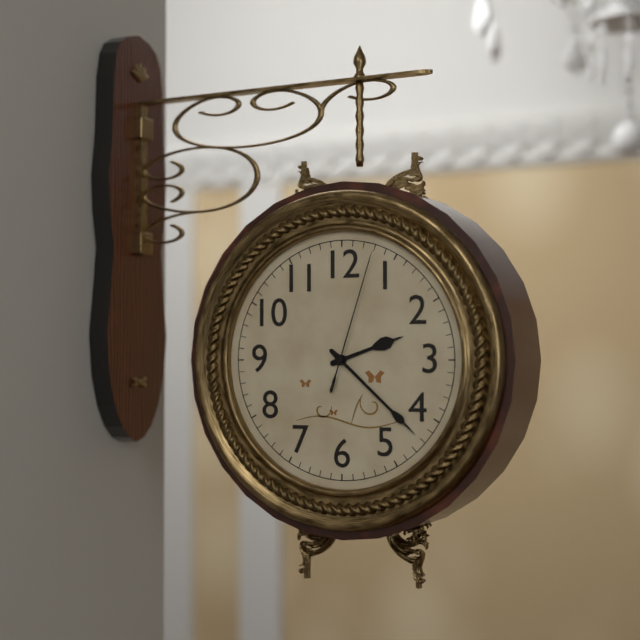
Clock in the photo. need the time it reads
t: 2:22:03
